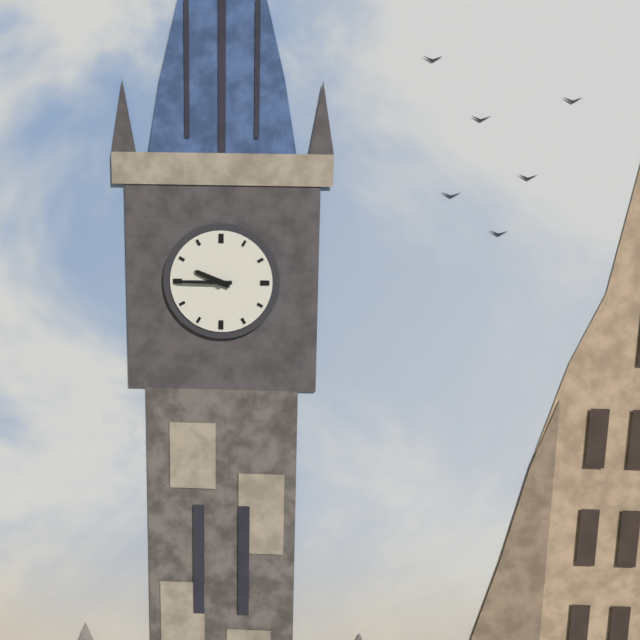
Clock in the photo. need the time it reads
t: 9:45
